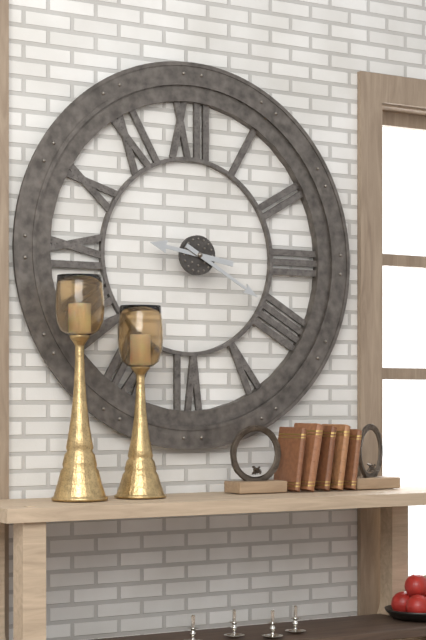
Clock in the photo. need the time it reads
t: 9:20
